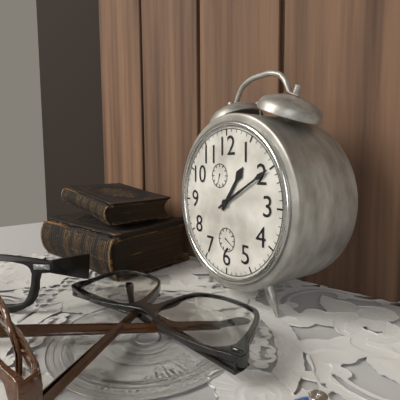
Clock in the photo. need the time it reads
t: 1:10
